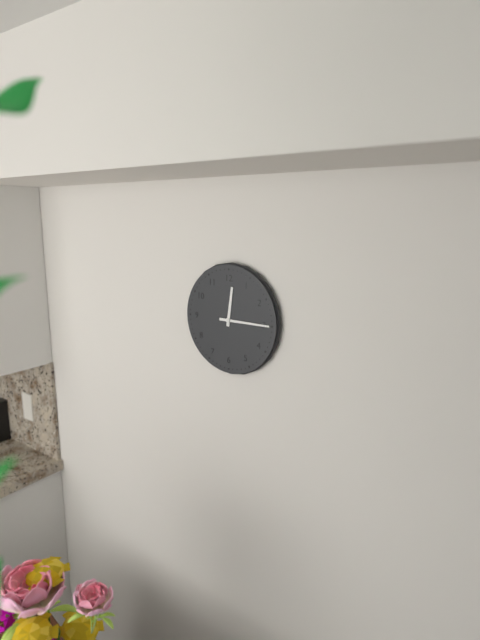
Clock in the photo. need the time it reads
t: 12:15
